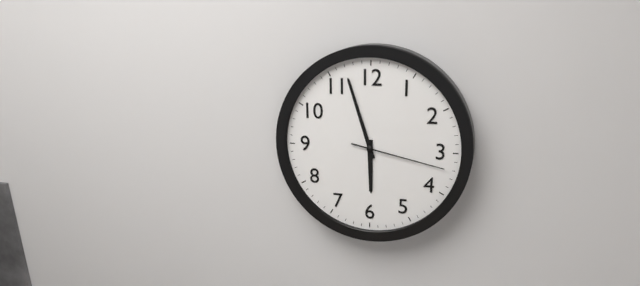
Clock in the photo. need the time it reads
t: 5:57:17
